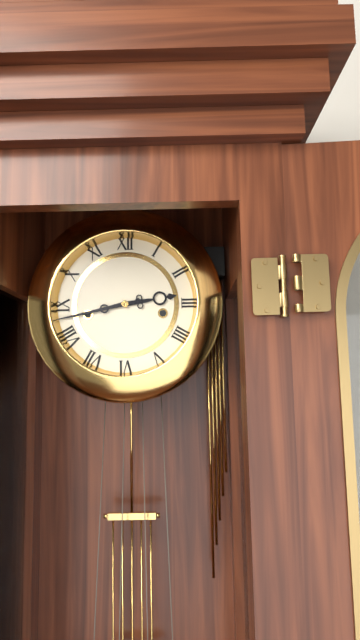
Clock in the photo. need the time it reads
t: 2:43
